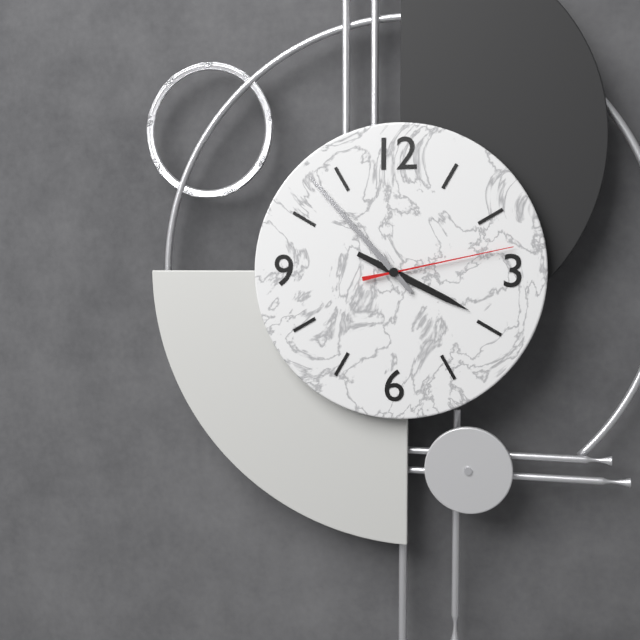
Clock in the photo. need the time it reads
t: 3:53:13
